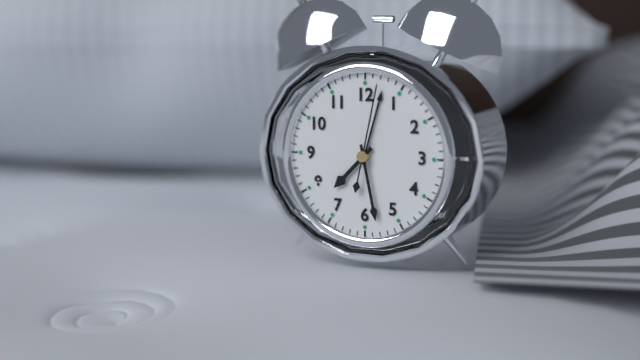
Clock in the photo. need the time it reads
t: 7:28:02
